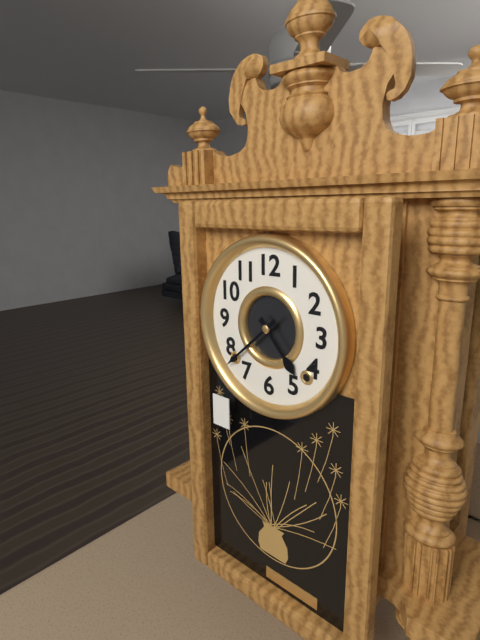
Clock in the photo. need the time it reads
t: 4:38
